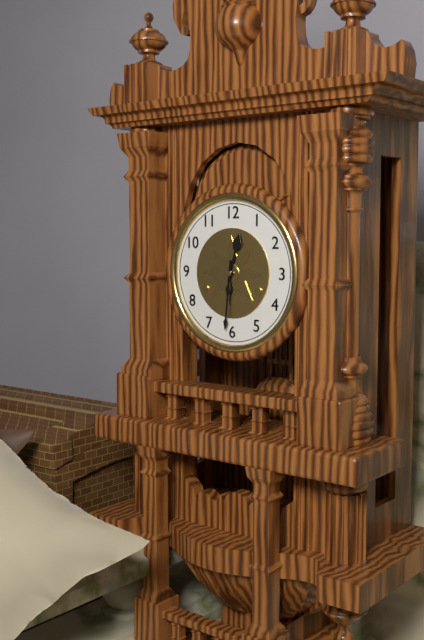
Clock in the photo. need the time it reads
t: 12:31
